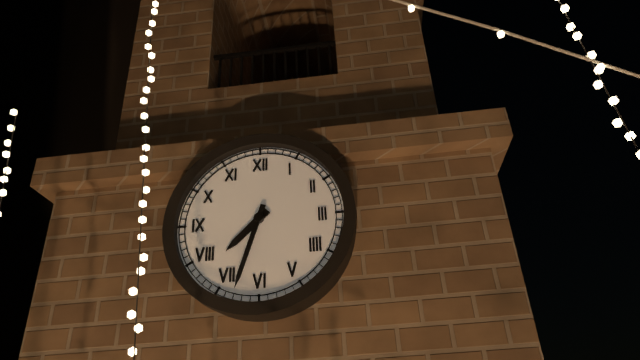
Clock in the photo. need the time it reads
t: 7:33
